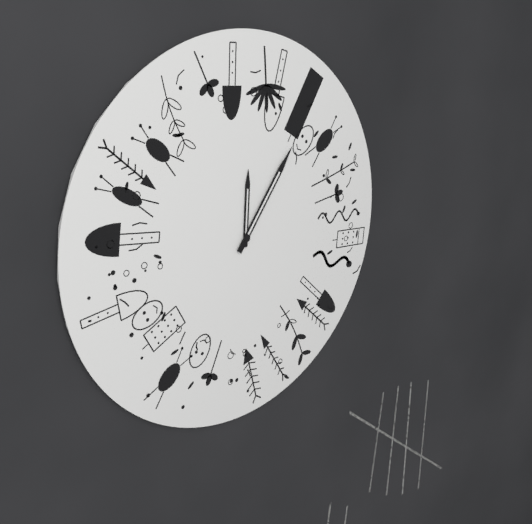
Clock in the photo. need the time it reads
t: 12:06
